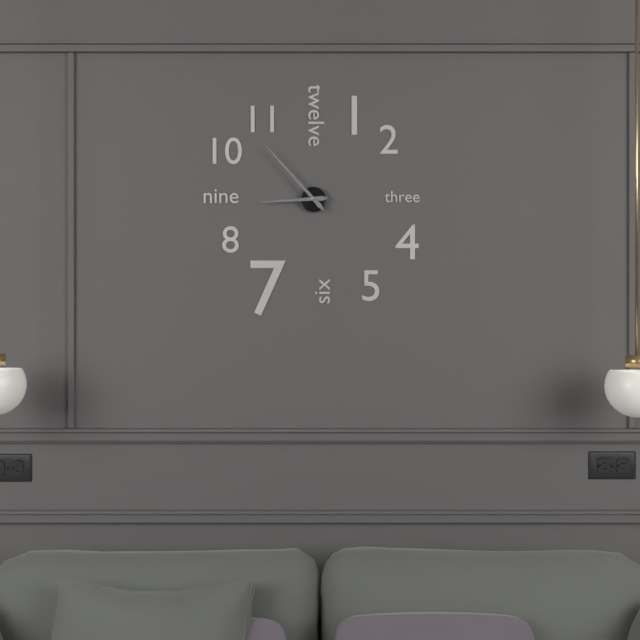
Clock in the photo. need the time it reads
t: 8:53
